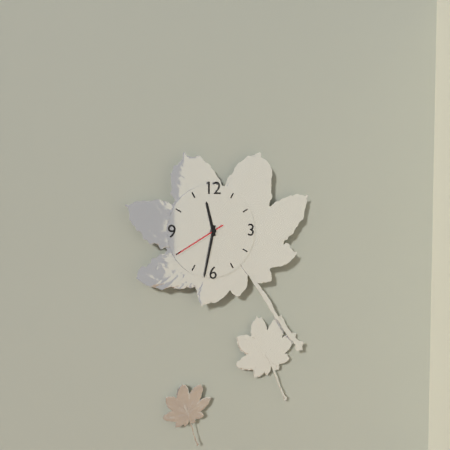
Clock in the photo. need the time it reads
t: 11:32:40
